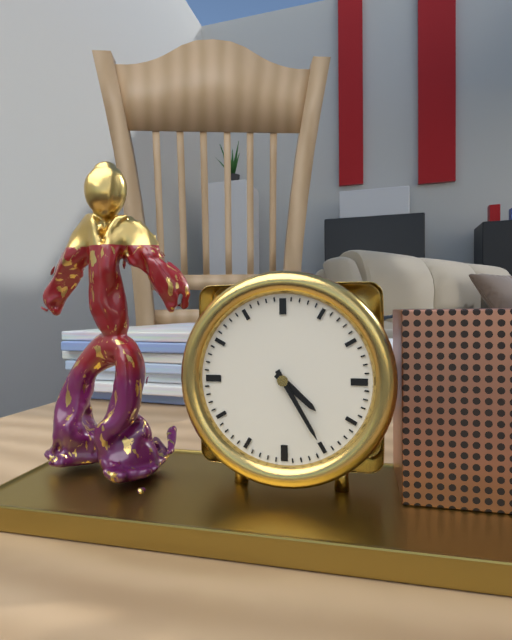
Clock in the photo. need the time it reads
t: 4:25
